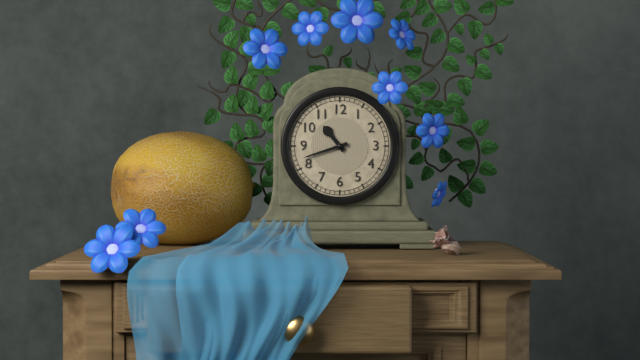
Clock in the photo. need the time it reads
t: 10:42
